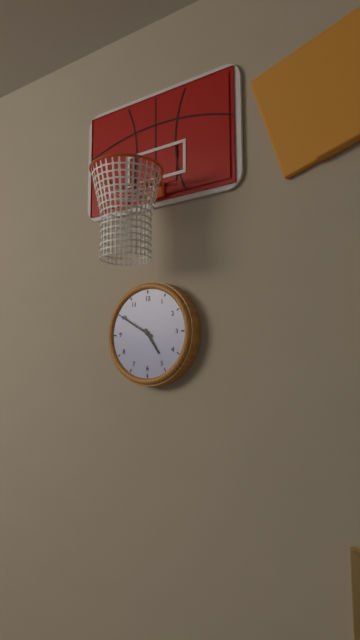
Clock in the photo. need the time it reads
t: 4:50
